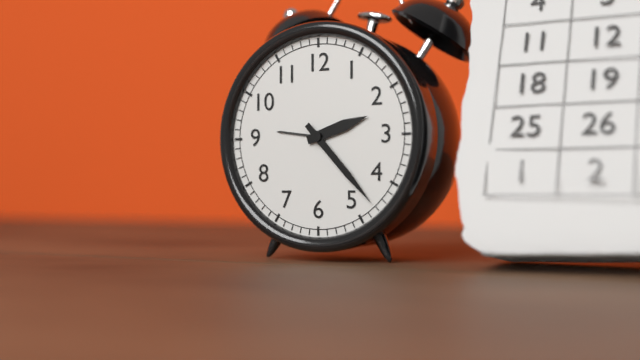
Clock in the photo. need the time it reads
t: 2:23
